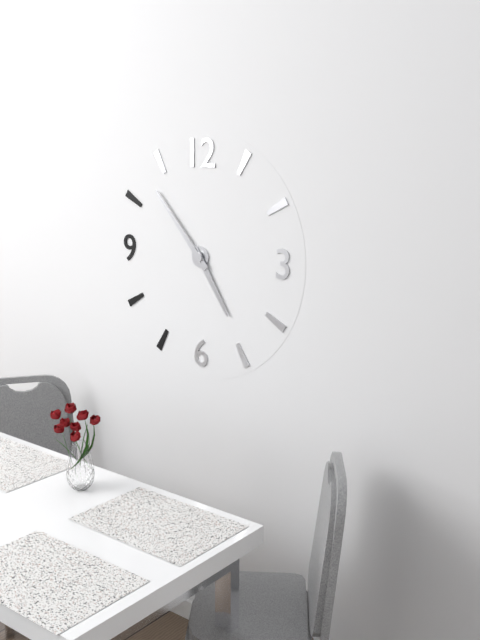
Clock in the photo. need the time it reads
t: 4:53
